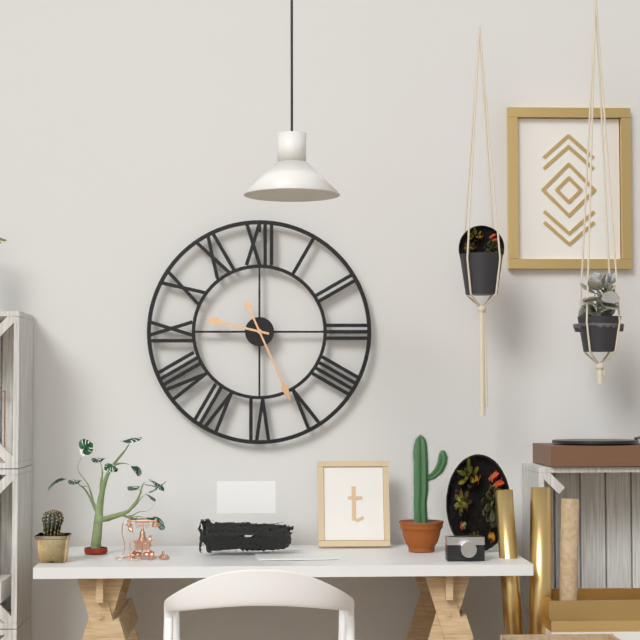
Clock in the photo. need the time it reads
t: 9:26
